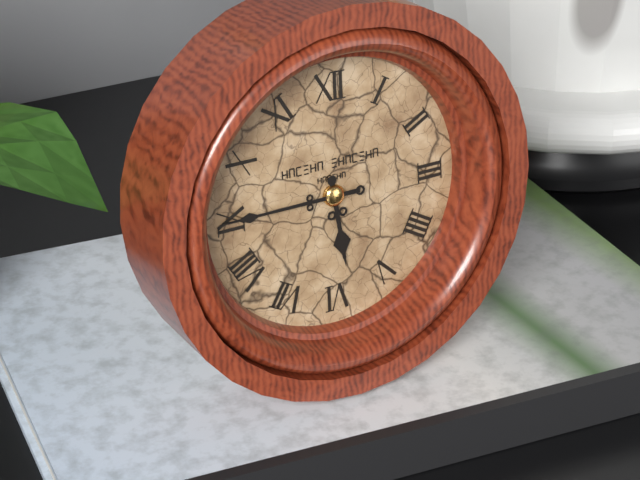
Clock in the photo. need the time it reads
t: 5:45
